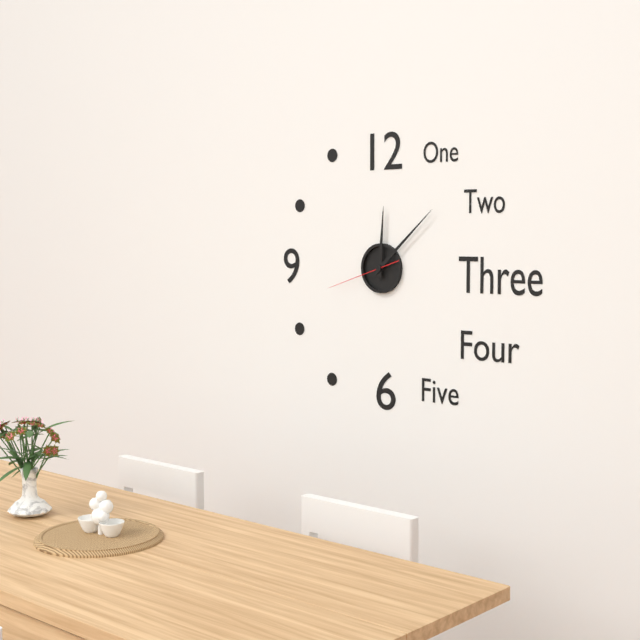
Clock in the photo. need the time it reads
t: 12:08:42
